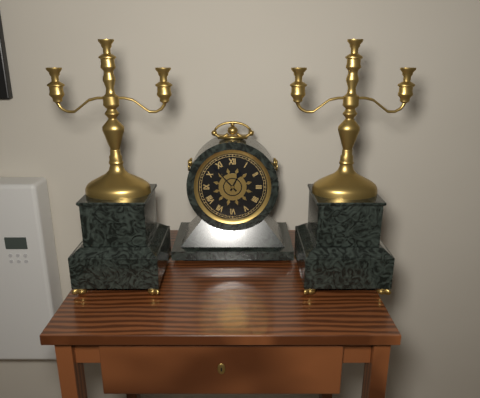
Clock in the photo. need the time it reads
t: 12:53
